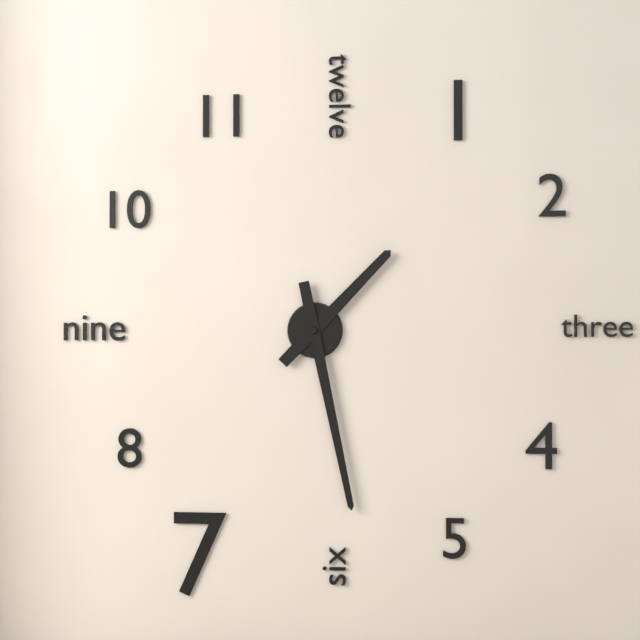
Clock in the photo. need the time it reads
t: 1:28
